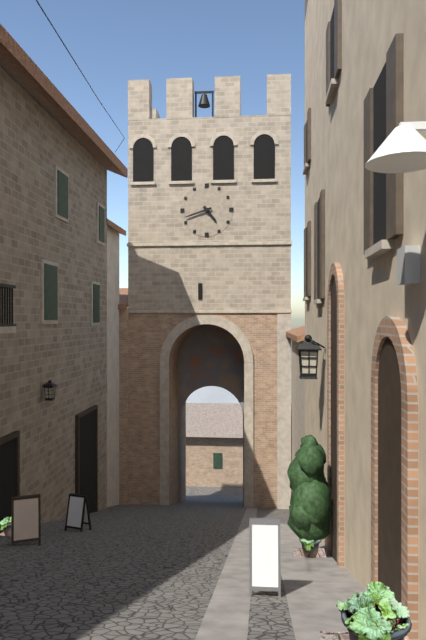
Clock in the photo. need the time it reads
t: 4:42
